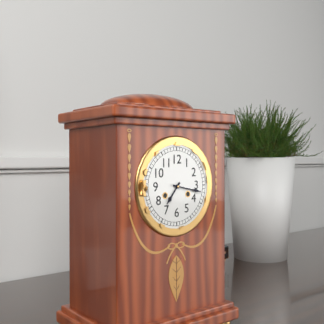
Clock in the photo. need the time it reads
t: 7:17
